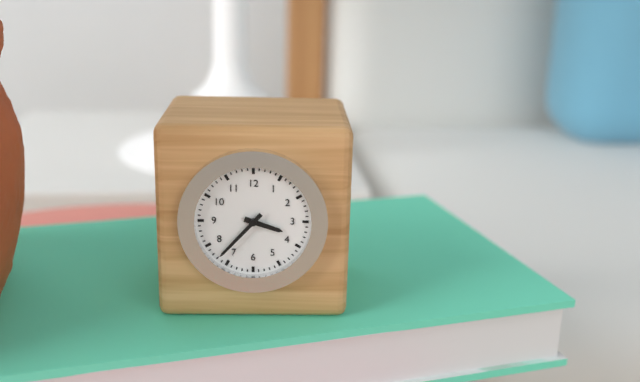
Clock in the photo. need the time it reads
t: 3:37
